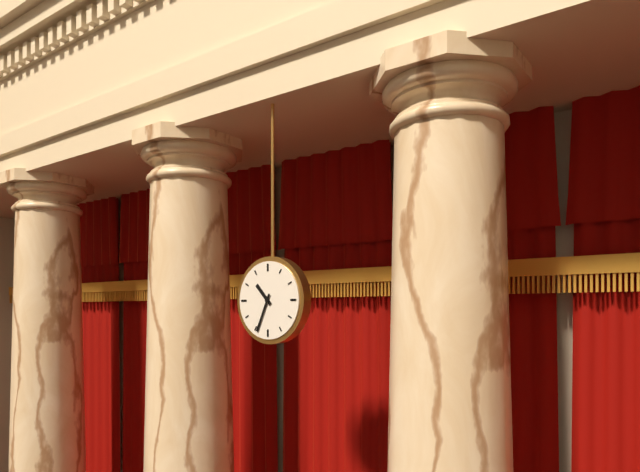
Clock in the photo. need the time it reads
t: 10:34
